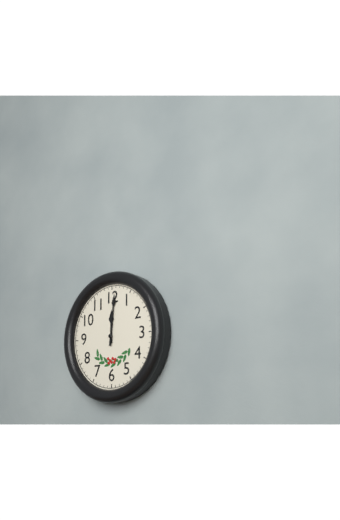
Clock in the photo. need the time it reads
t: 12:01
